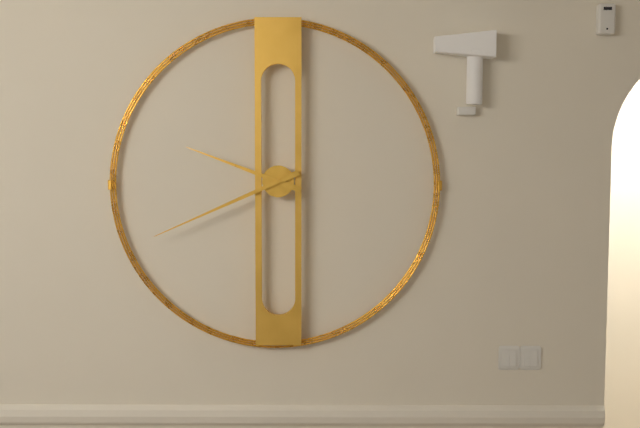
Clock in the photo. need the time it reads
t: 9:41
